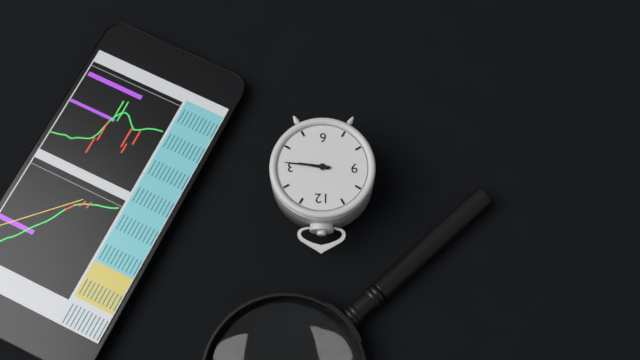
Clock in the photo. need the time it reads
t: 3:16
